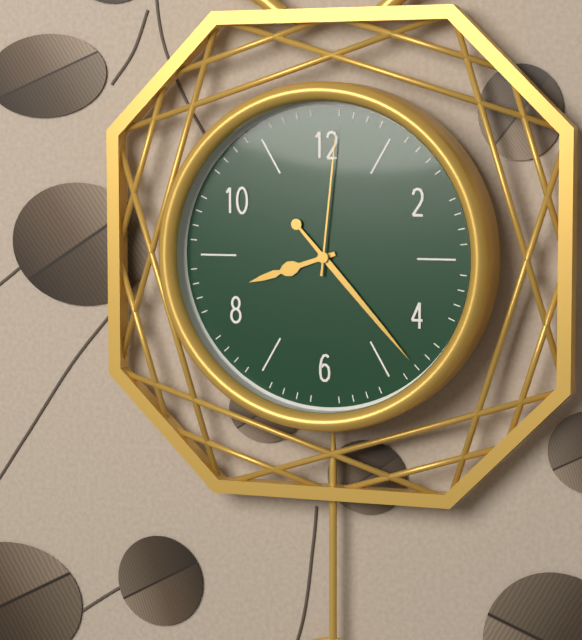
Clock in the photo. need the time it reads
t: 8:23:01
